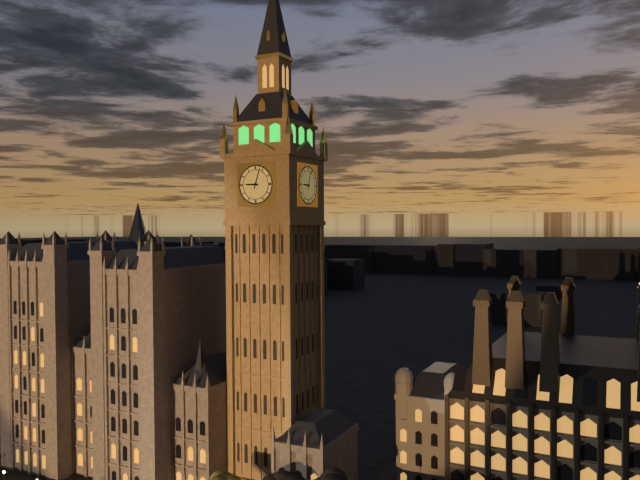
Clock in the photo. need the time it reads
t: 9:03
